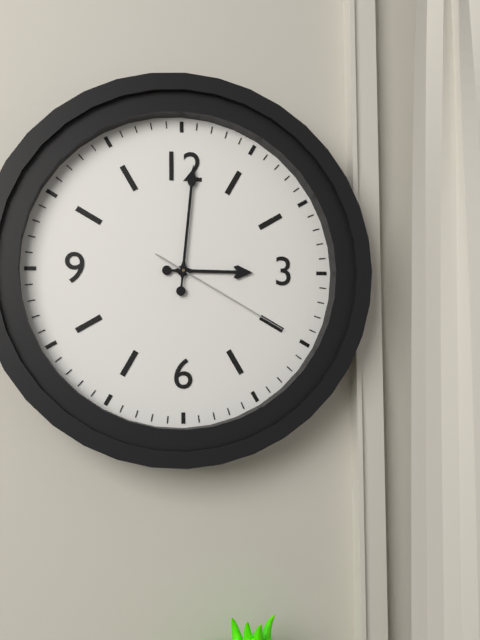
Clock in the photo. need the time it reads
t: 3:01:20
